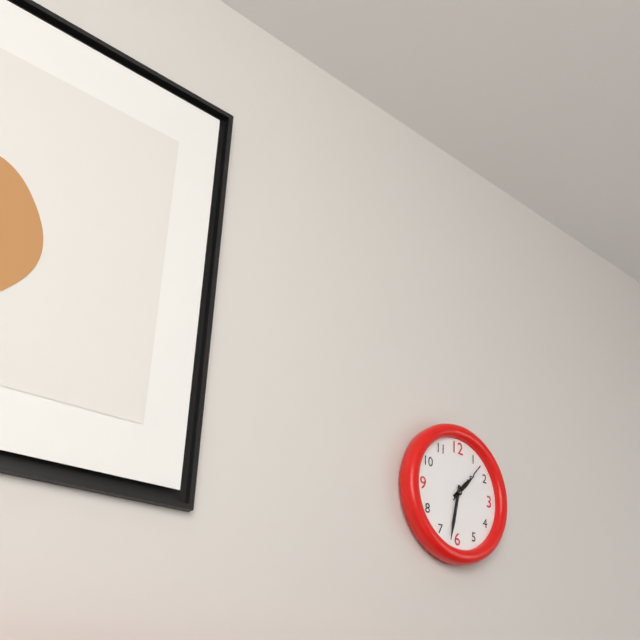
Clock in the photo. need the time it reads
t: 1:32
